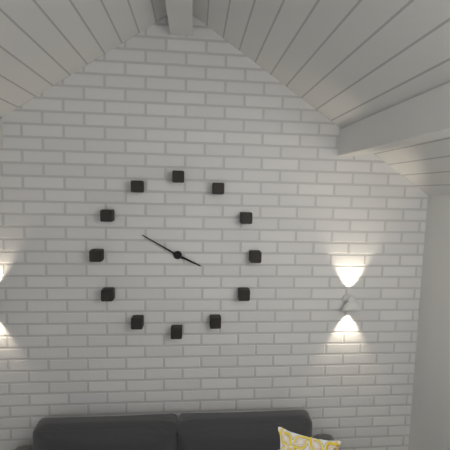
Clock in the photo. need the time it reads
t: 3:50
